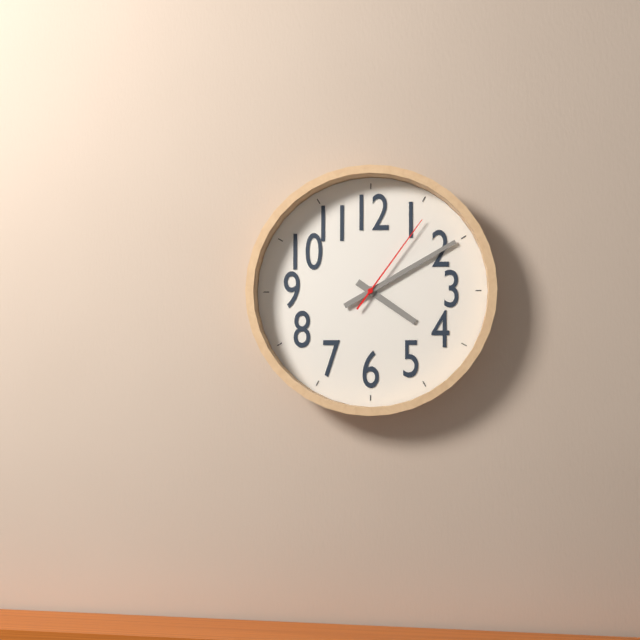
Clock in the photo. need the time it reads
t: 4:10:06
